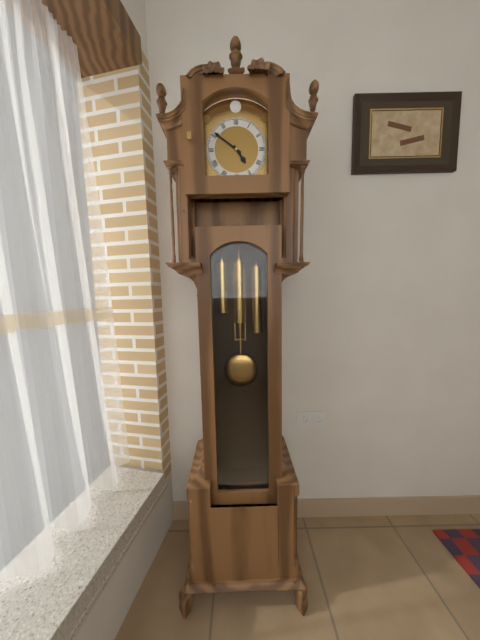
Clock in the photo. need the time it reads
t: 4:51
